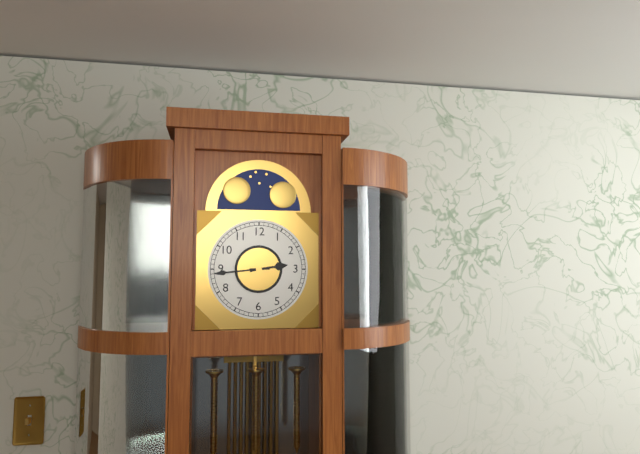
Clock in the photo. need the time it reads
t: 2:44
